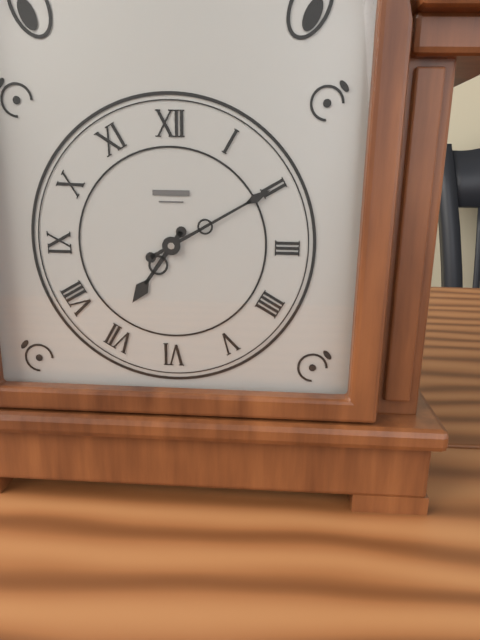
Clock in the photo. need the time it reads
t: 7:10
